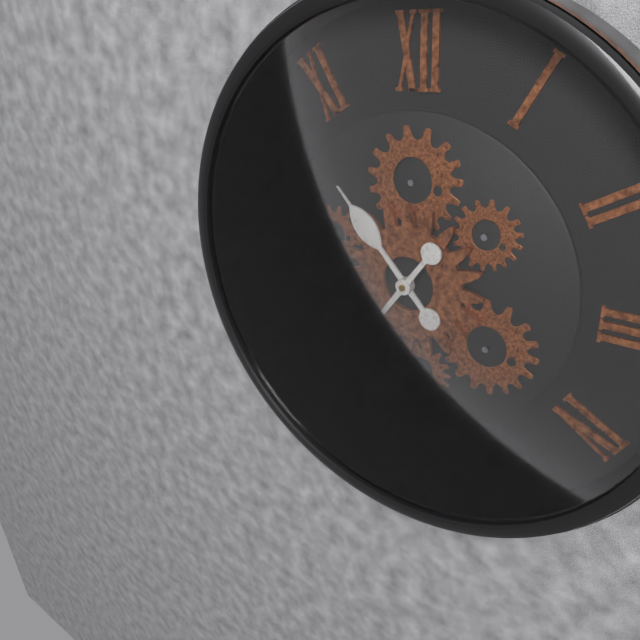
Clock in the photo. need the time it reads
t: 10:36
